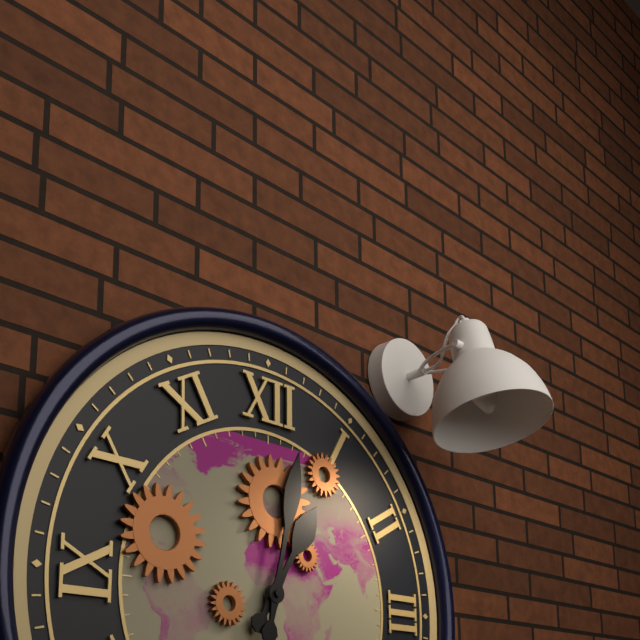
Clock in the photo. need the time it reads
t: 1:02
